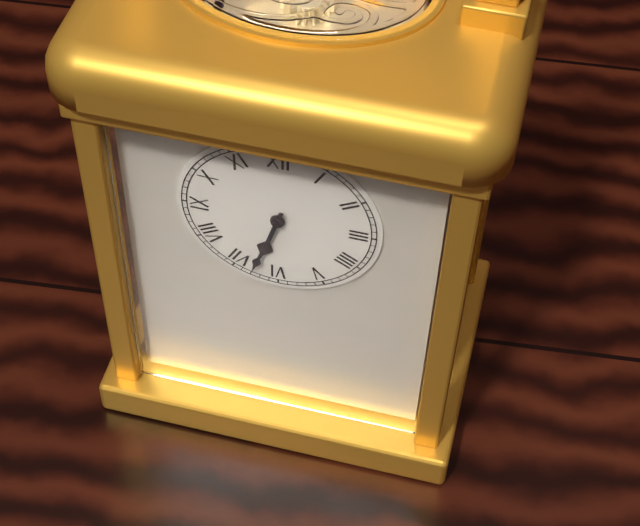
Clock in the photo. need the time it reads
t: 6:33
